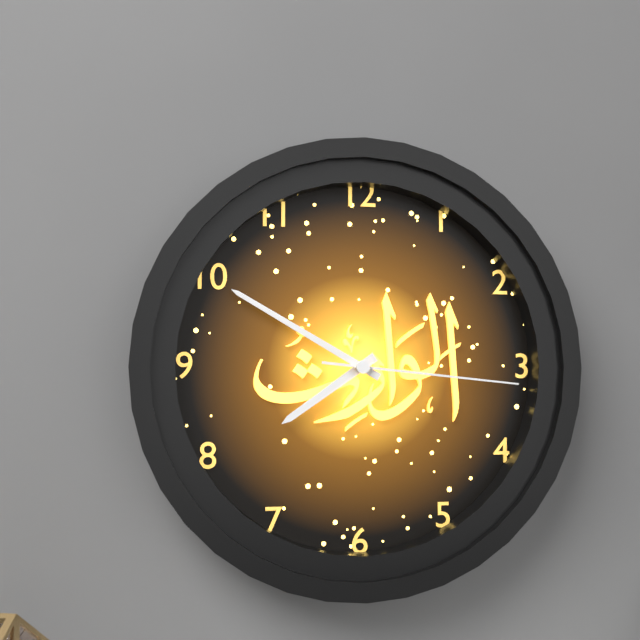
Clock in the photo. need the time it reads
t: 7:50:16
